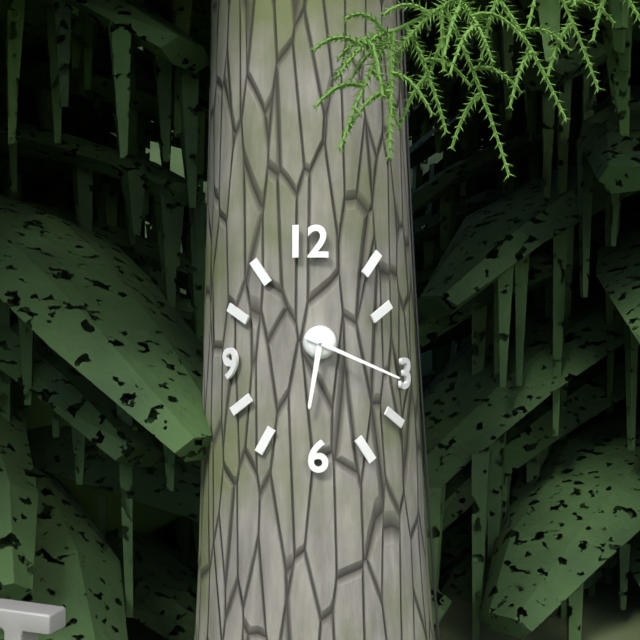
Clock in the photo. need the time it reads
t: 6:19
